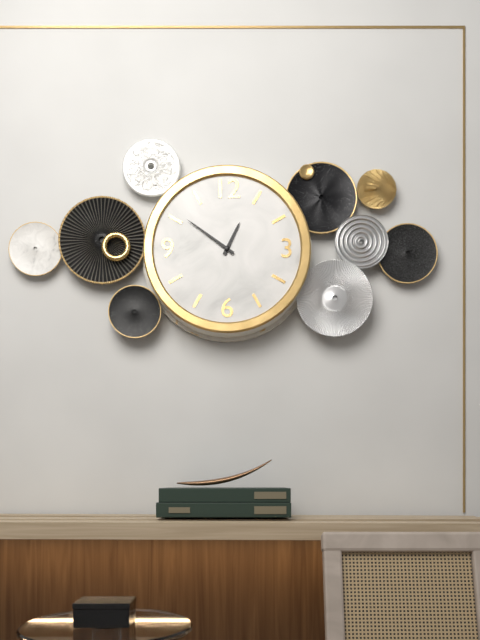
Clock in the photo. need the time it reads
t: 12:51
